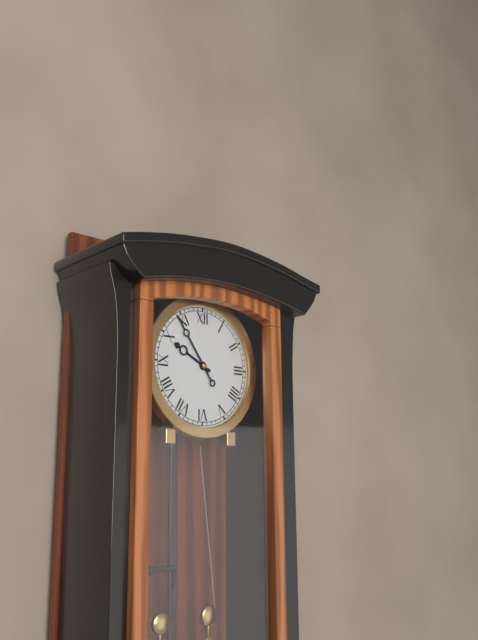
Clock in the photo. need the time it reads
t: 9:54
